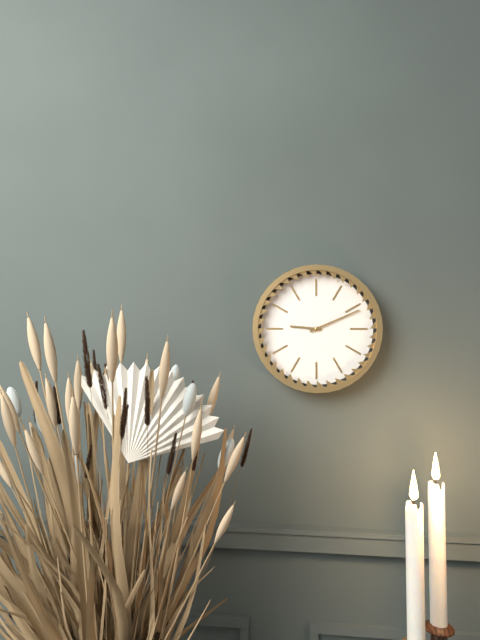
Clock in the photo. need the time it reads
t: 9:11
